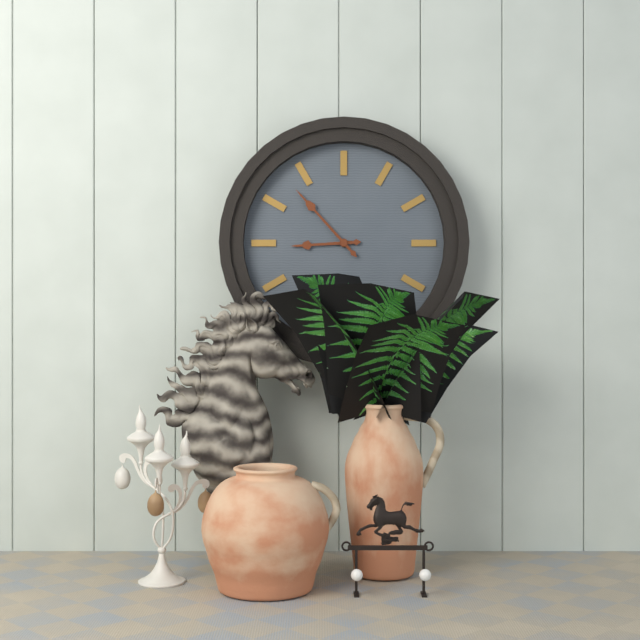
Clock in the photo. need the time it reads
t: 8:53
